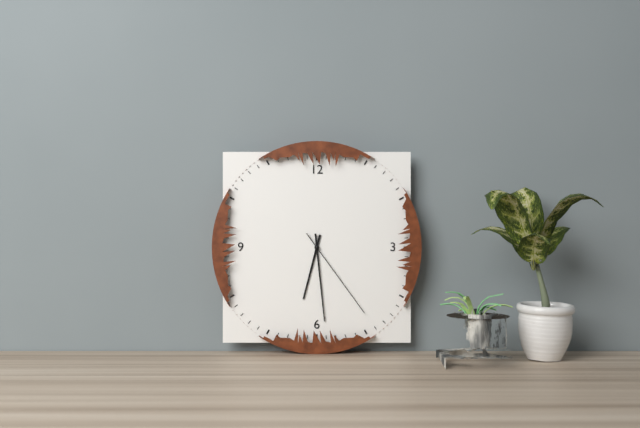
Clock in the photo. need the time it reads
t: 6:29:24
